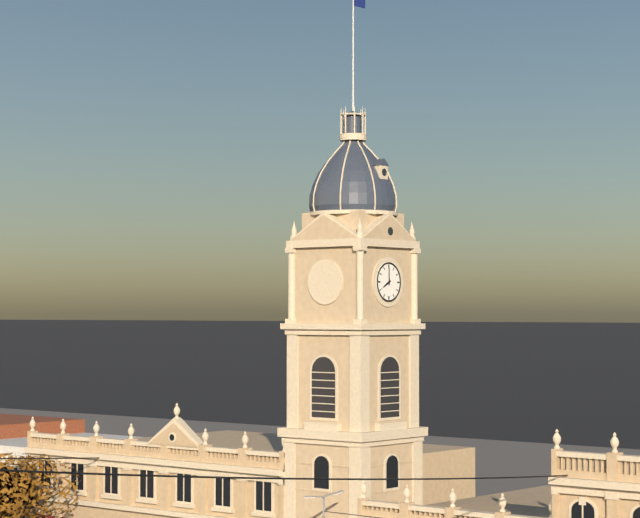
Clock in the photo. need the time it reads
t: 8:00
